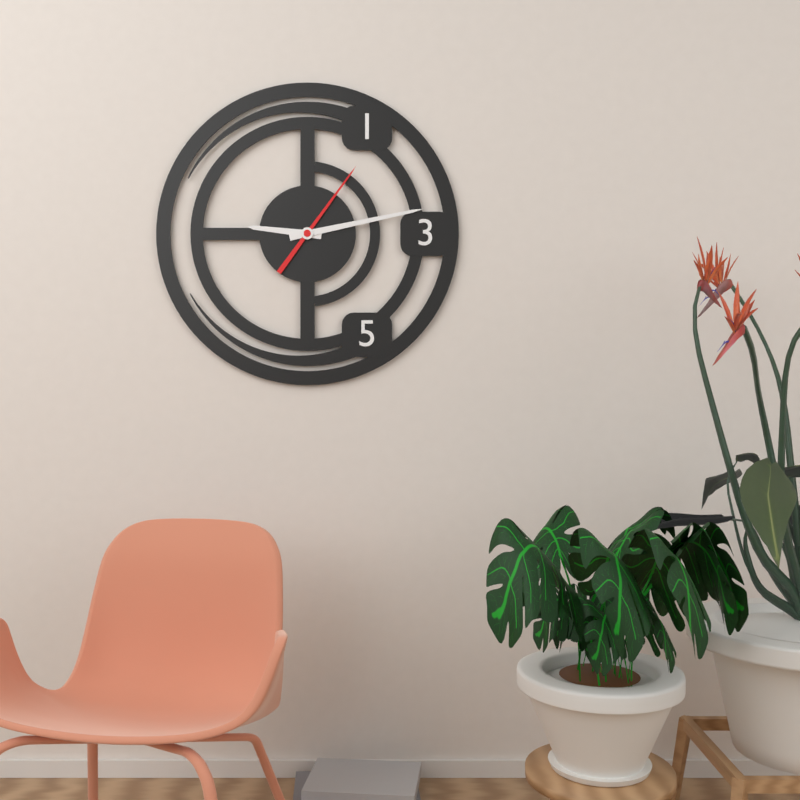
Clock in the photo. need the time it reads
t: 9:13:06
